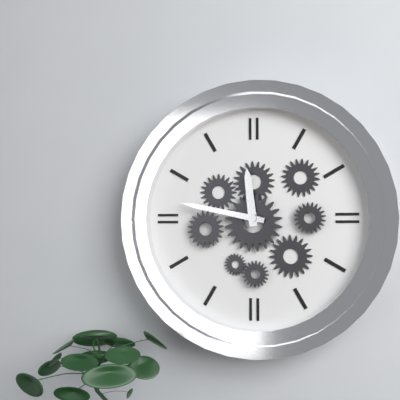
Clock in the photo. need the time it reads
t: 11:47
